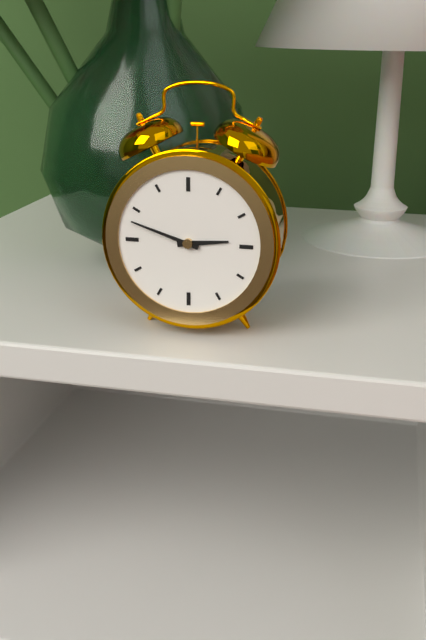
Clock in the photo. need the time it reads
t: 2:48
